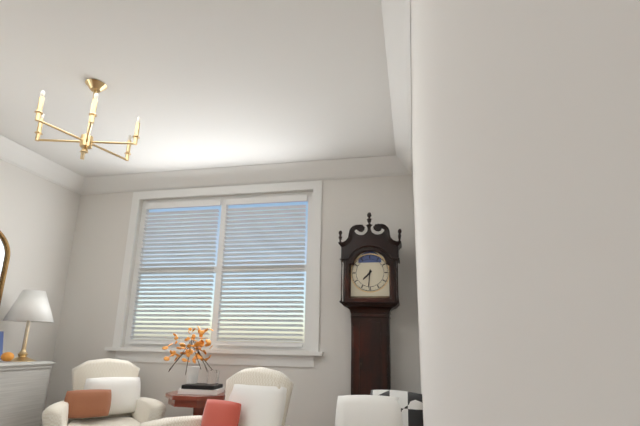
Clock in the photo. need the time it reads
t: 7:31
